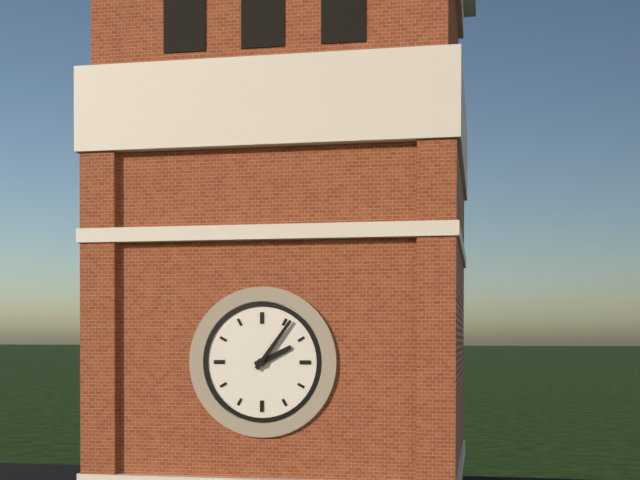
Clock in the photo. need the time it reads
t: 2:06
